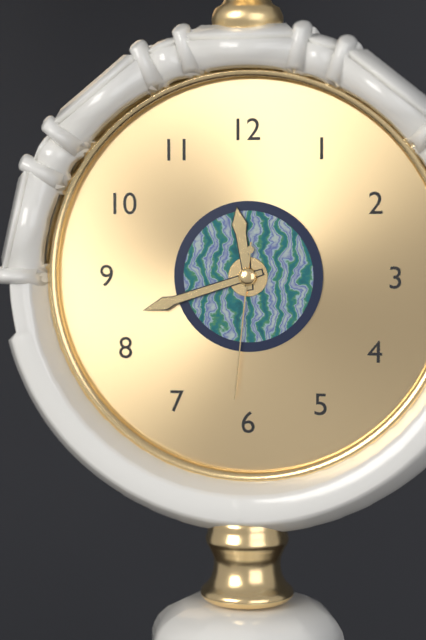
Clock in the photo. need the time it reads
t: 11:42:31
